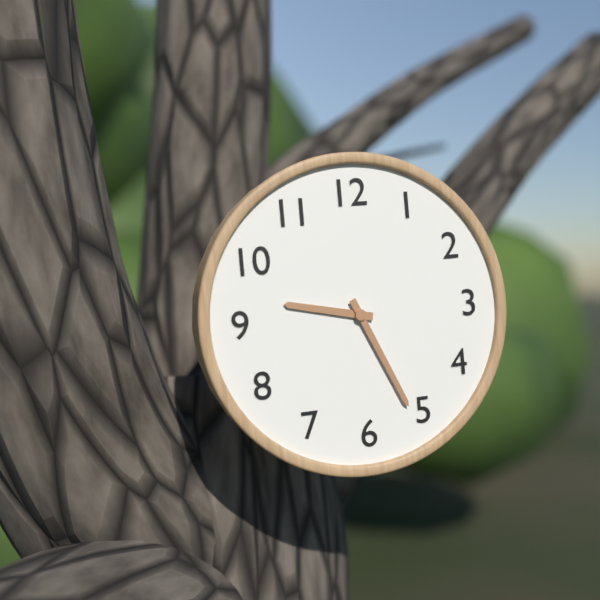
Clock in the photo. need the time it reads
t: 9:26
